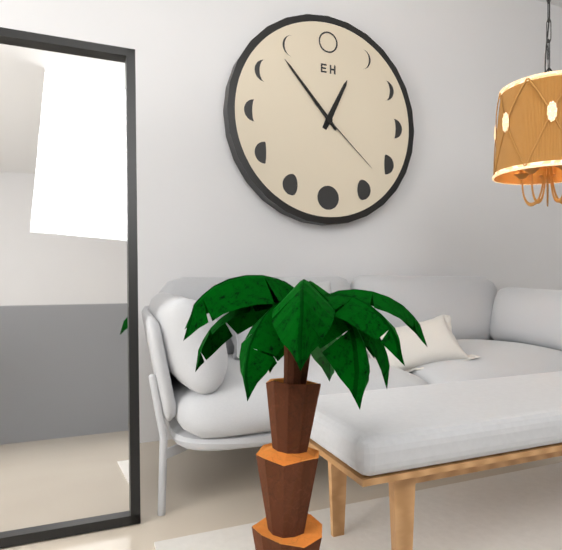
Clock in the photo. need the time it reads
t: 12:53:22
